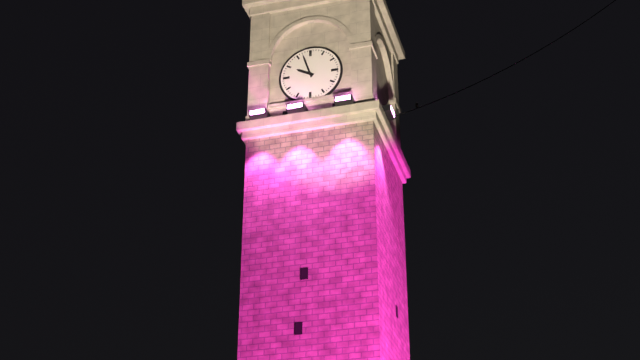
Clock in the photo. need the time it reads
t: 9:57
